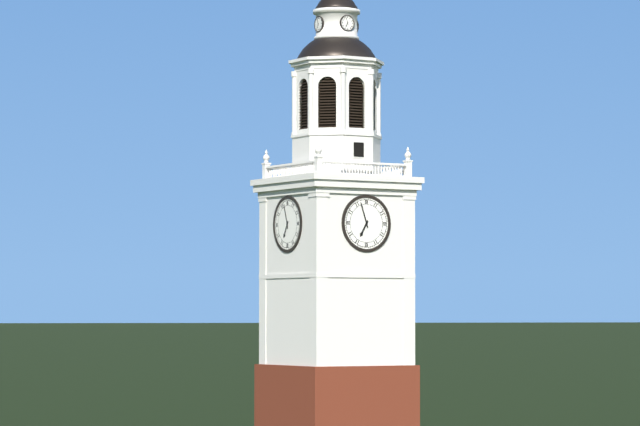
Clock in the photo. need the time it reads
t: 6:57
